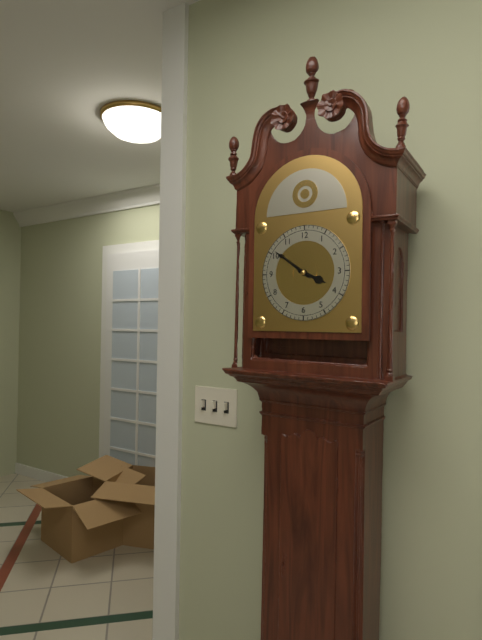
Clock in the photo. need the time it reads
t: 3:51
